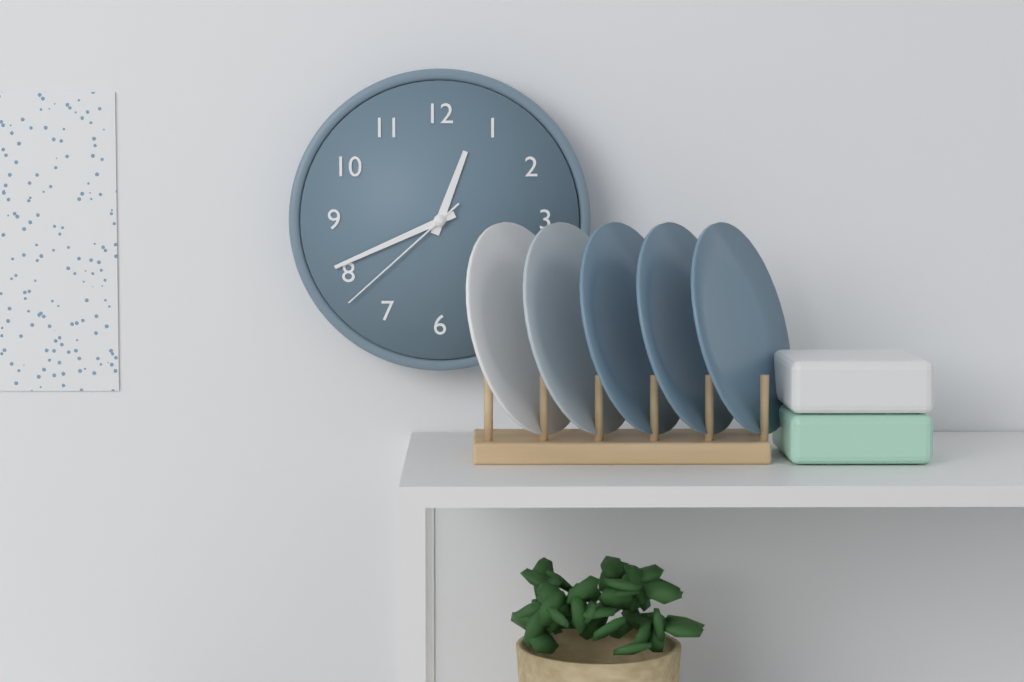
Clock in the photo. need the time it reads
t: 12:41:38
